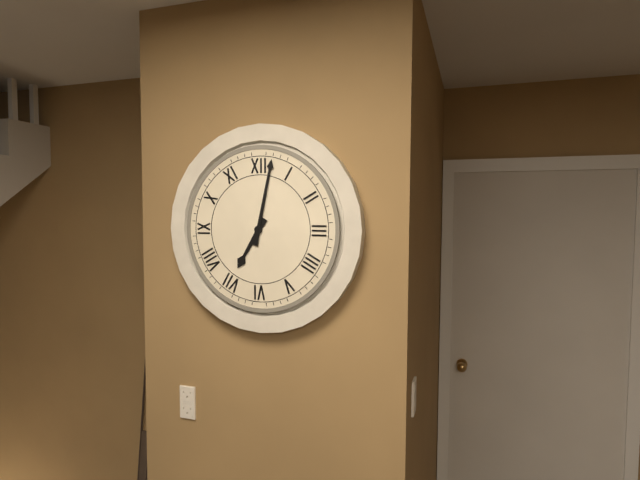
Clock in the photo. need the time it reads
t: 7:02
